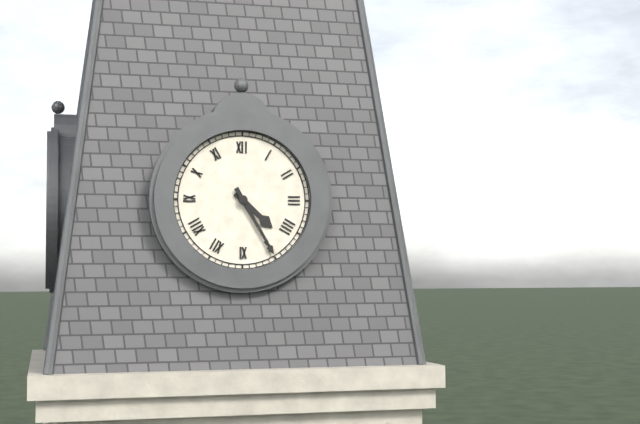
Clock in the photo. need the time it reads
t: 4:25
